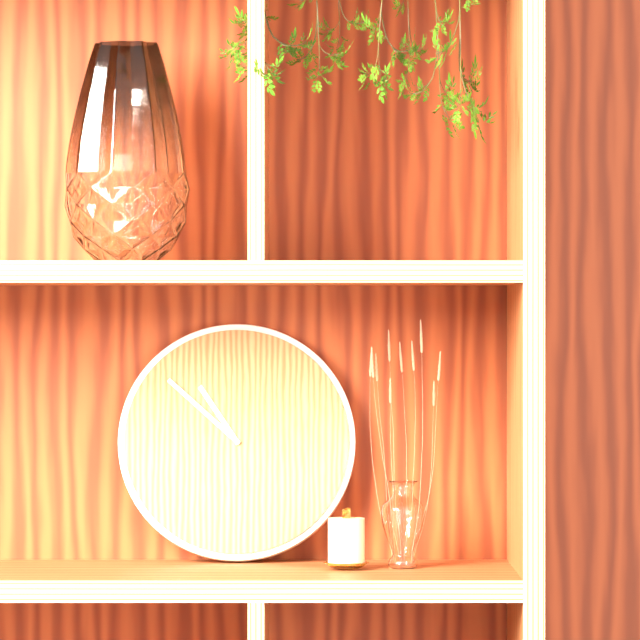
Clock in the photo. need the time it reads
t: 10:52
